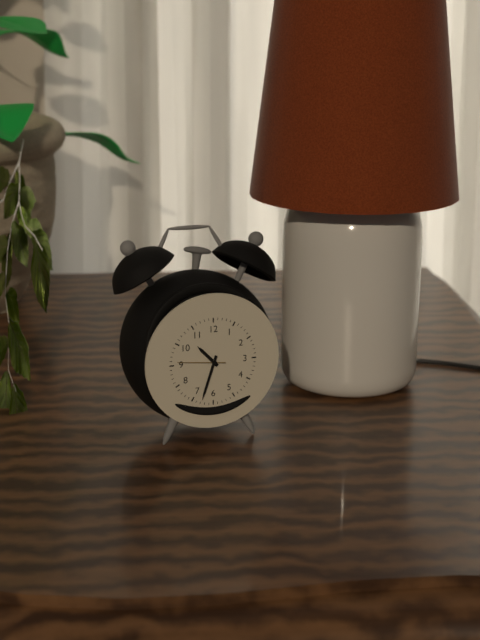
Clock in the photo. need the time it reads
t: 10:33
